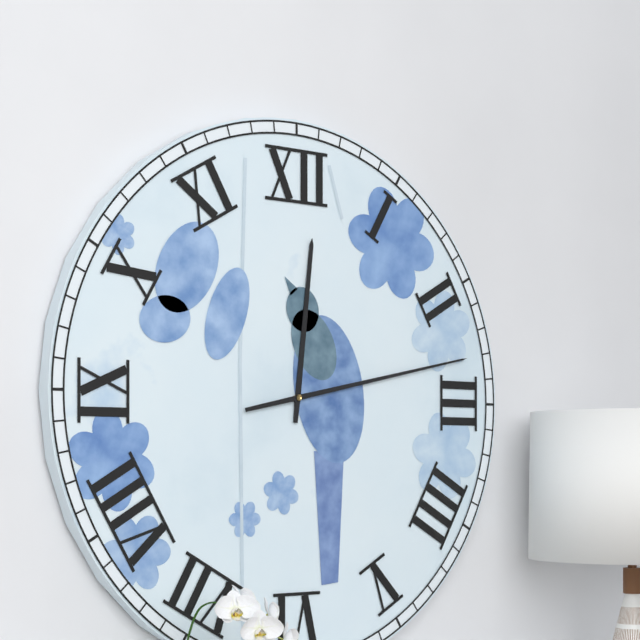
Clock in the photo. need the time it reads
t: 12:13
